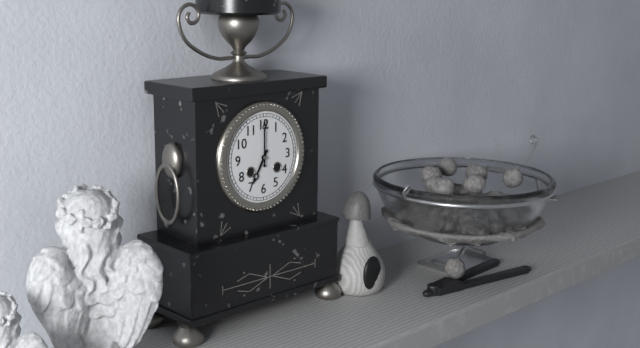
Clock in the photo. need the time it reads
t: 7:00
